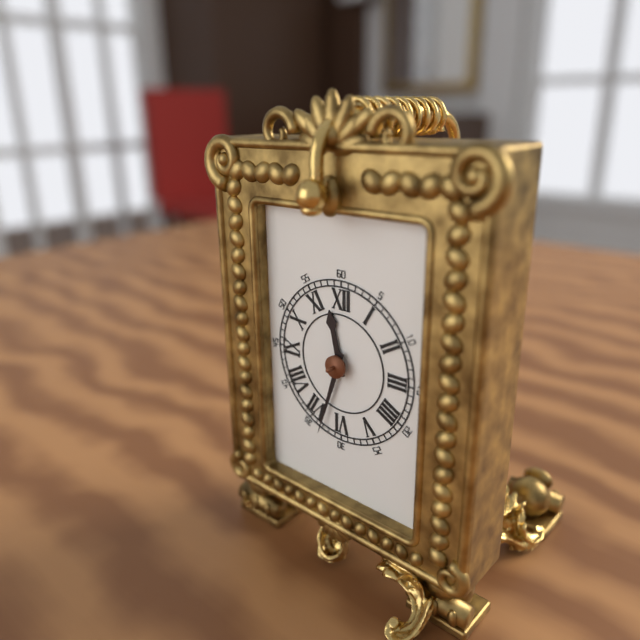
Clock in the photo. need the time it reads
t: 11:33
